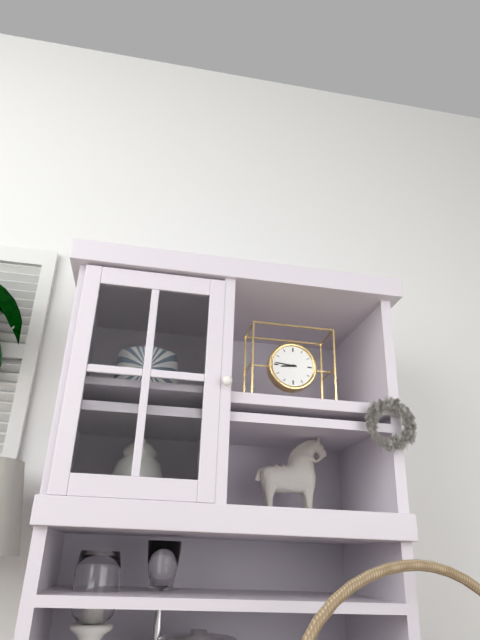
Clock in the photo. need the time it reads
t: 8:46
